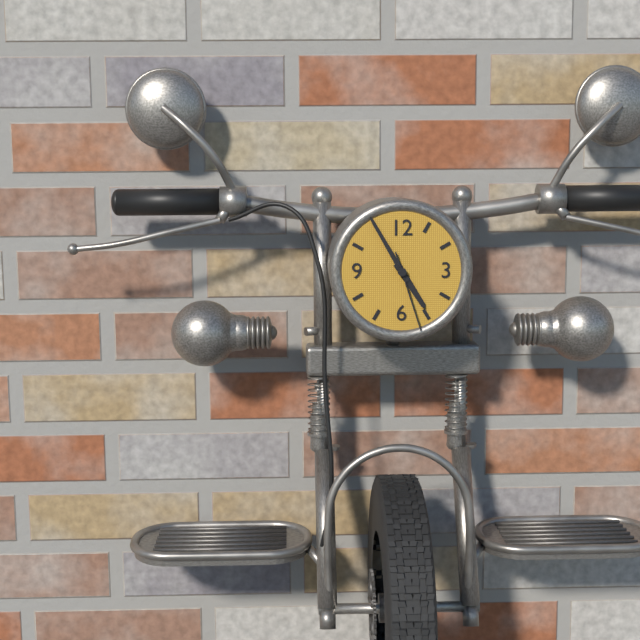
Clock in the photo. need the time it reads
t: 4:55:27
